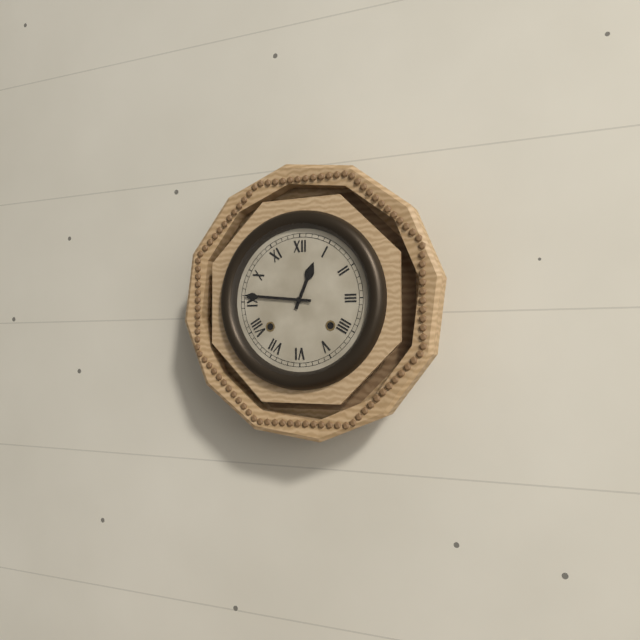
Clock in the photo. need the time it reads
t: 12:46
